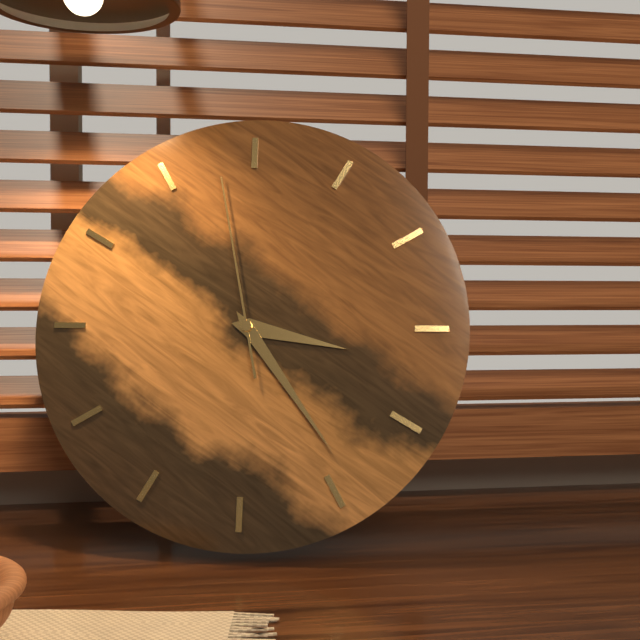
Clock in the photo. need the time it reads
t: 3:24:58
